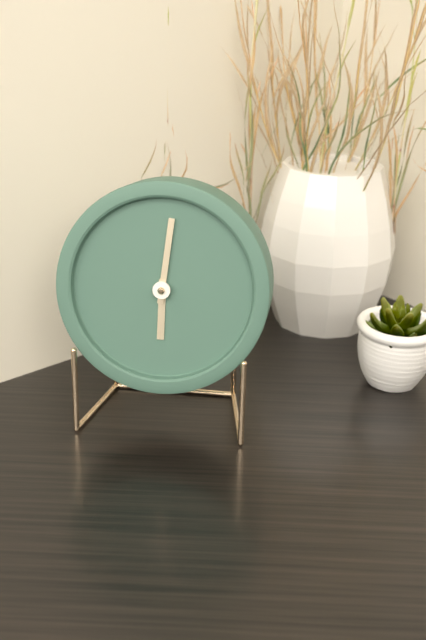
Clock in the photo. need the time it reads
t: 6:01
